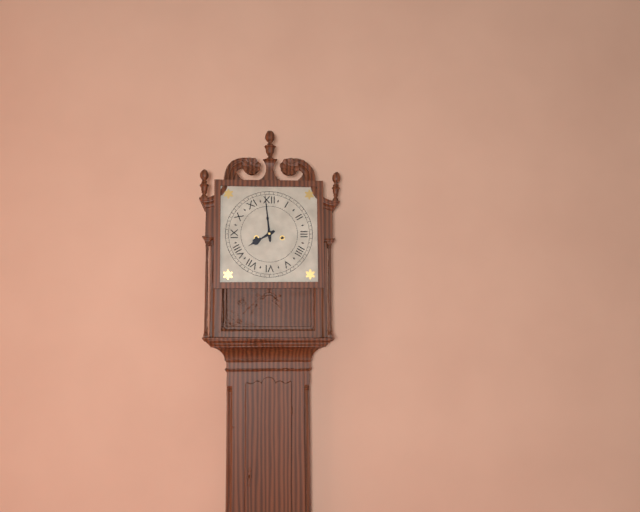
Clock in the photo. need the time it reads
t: 7:59
